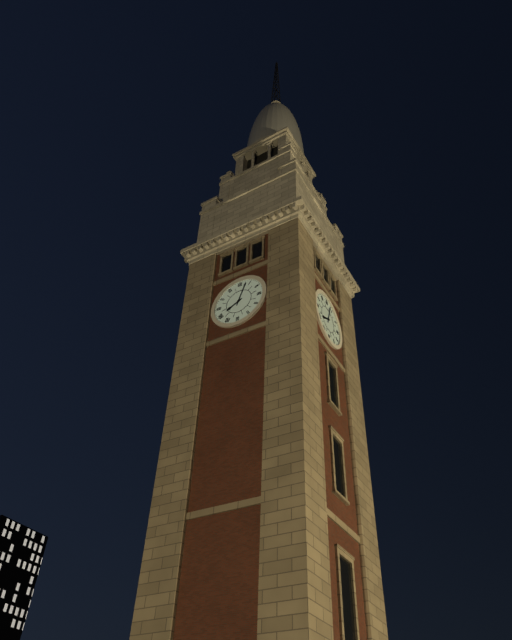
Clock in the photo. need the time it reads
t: 8:03
